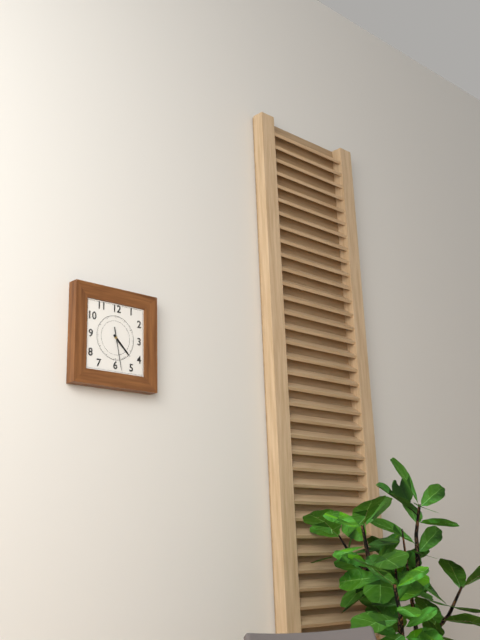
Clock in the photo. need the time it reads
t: 4:28
